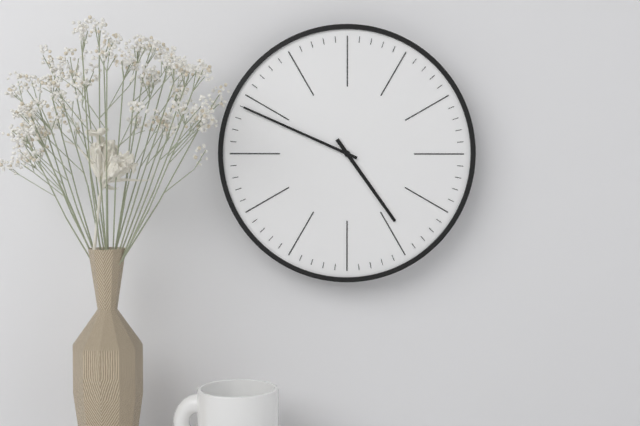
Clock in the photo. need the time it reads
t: 4:49
